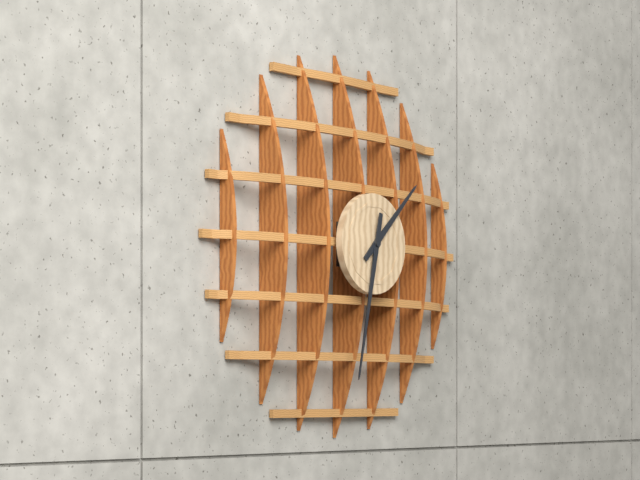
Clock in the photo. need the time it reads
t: 1:32
